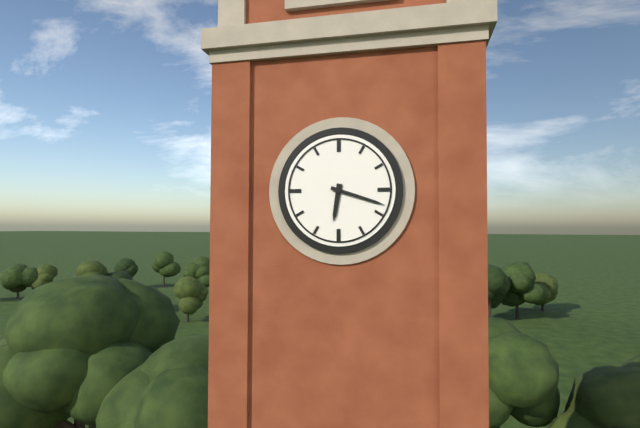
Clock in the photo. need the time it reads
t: 6:18
